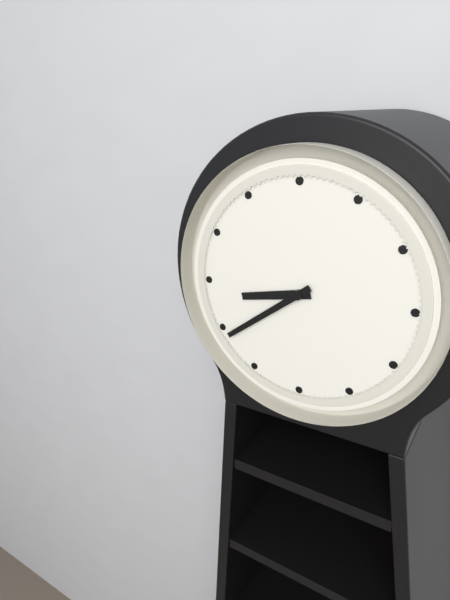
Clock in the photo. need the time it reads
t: 8:39
